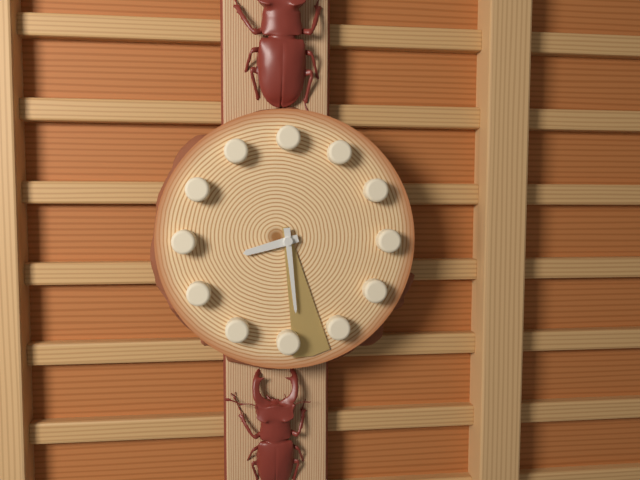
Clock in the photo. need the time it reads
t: 8:29:28
